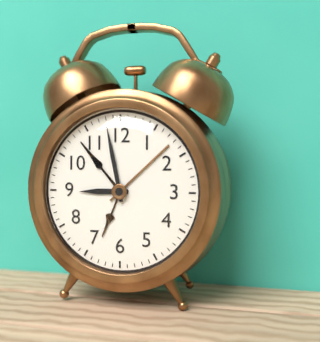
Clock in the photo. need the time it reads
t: 8:58
